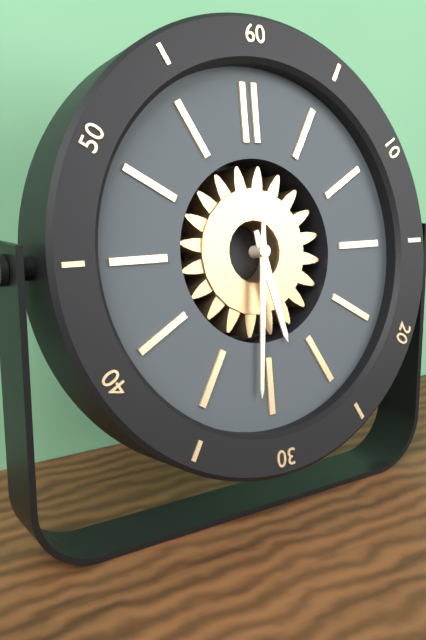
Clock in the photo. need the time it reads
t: 5:31
